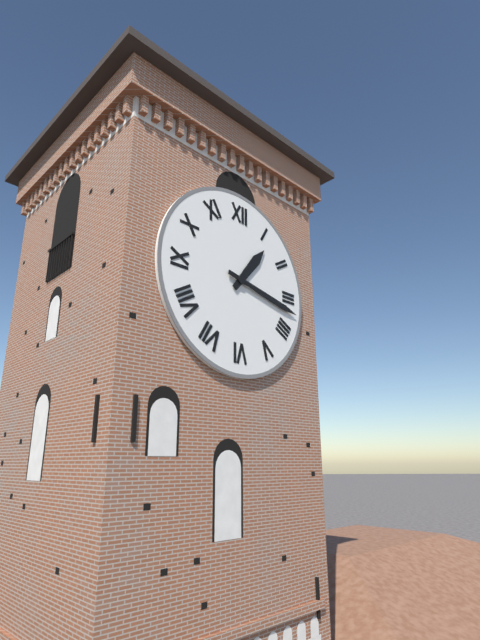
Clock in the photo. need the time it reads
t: 1:17
